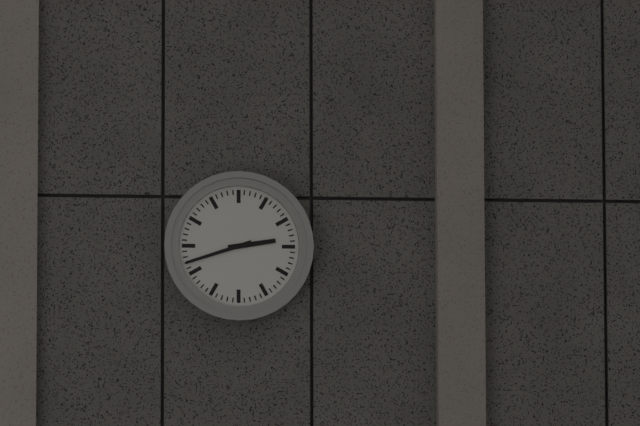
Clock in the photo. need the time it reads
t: 2:42
